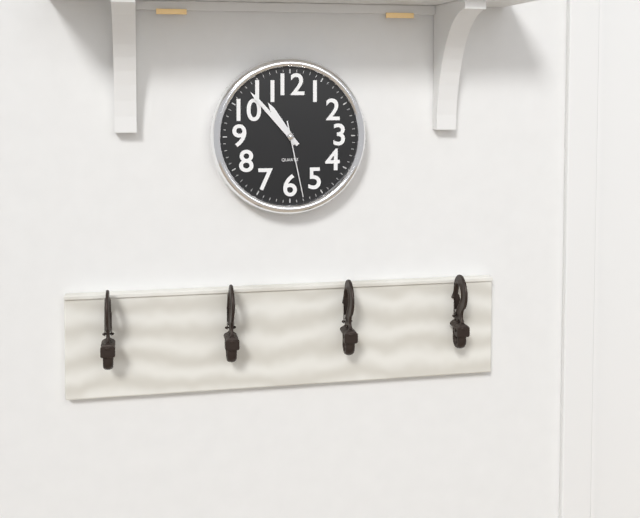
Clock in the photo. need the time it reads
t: 10:53:28
